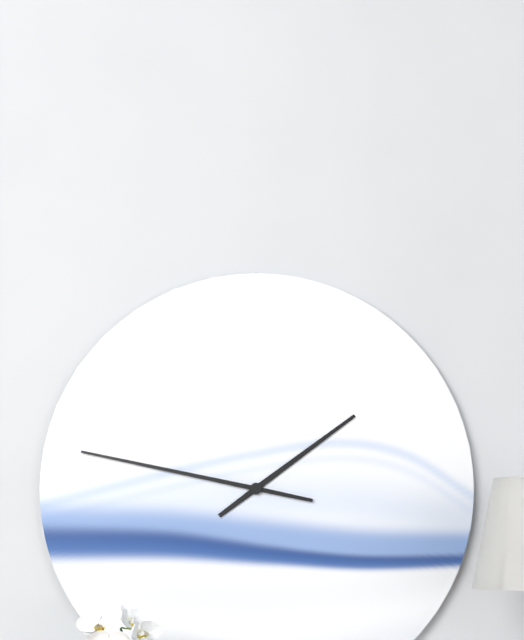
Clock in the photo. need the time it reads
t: 1:47
